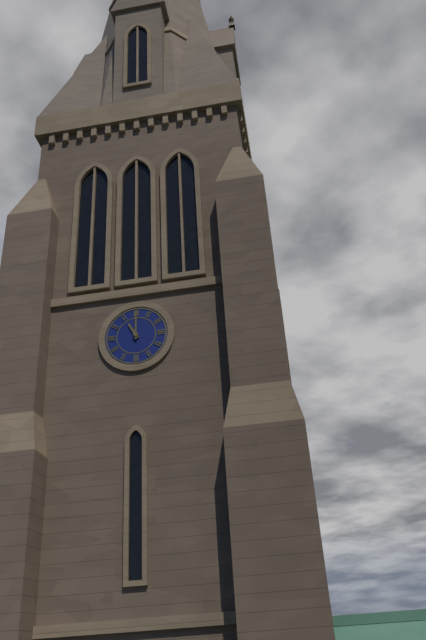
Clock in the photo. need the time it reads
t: 11:00
